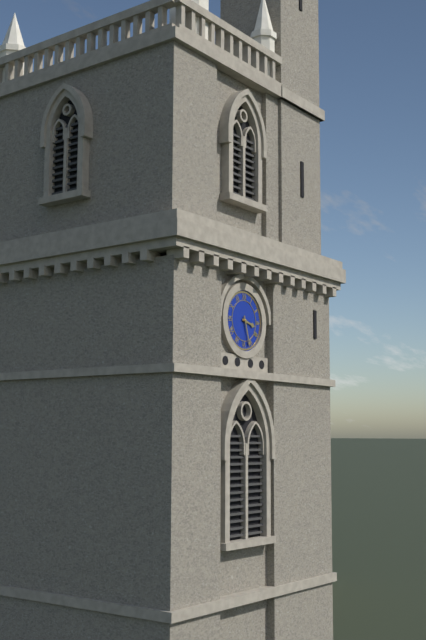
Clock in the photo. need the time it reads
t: 3:27
